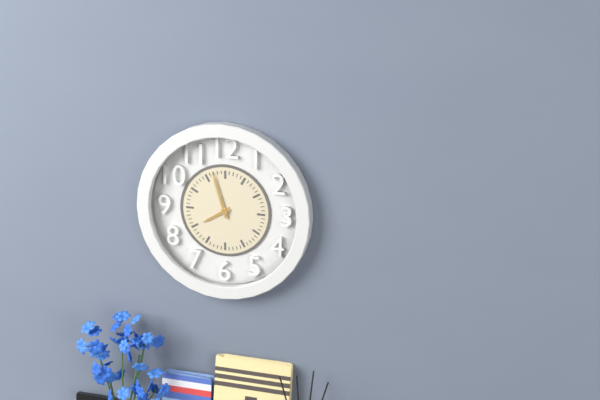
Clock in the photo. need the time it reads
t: 7:57
